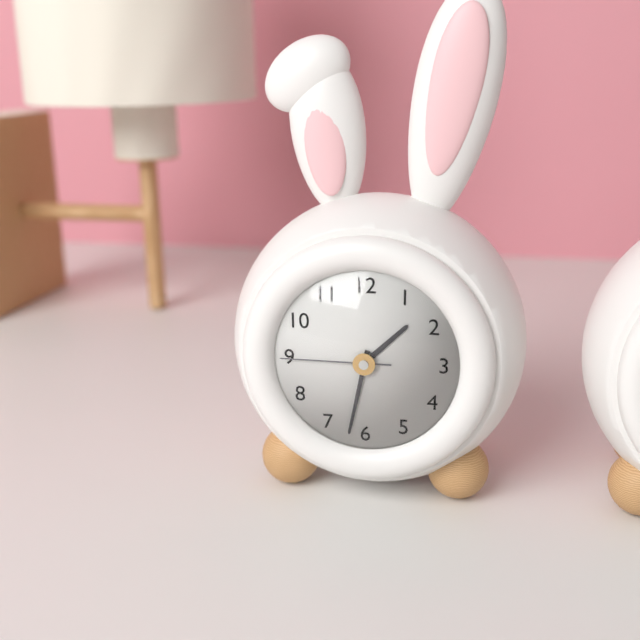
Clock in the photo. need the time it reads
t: 1:32:45
